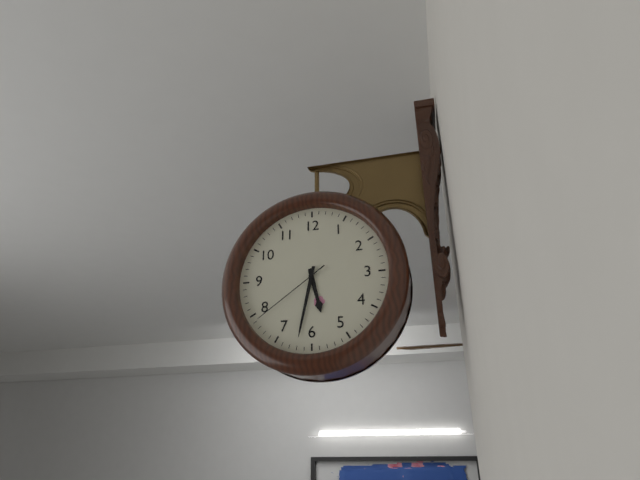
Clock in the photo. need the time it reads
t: 5:32:39
